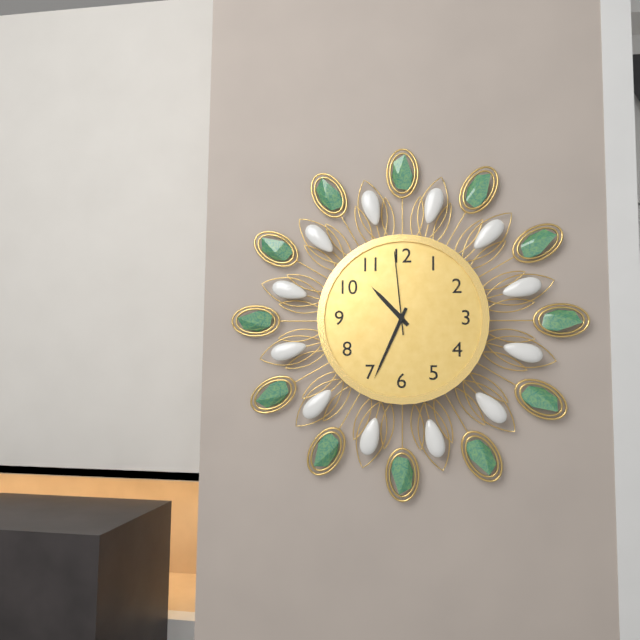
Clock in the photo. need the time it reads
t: 10:34:59
